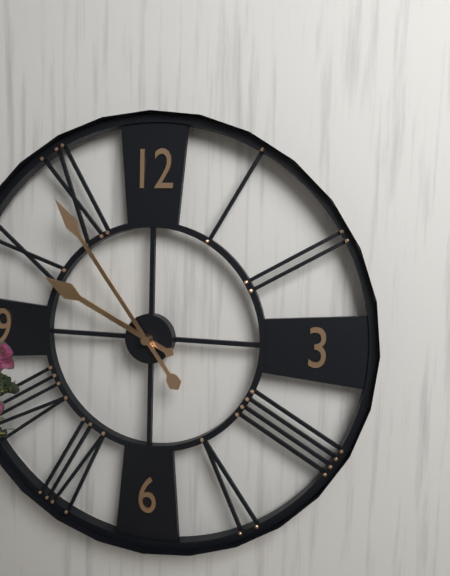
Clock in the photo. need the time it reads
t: 9:54
